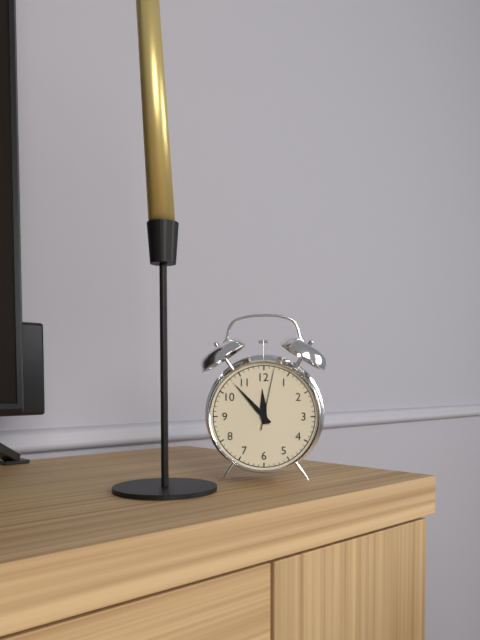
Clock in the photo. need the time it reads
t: 11:53:02
